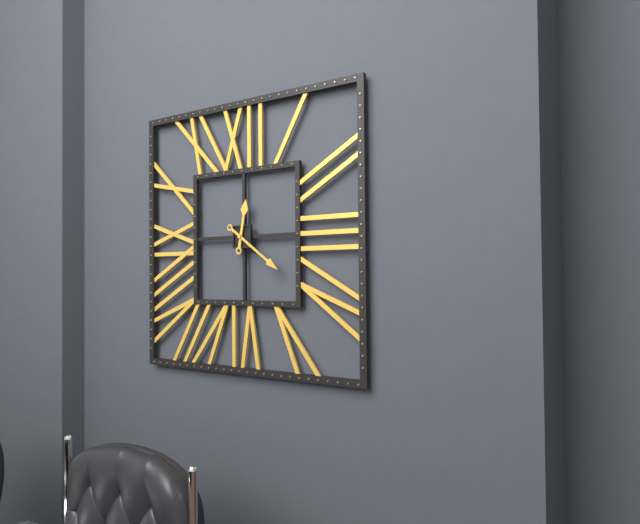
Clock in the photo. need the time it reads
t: 12:21
